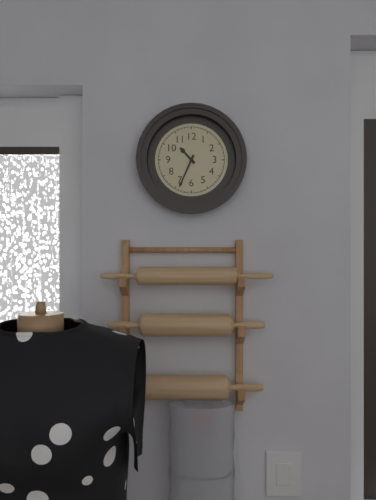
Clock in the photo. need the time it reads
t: 10:34
